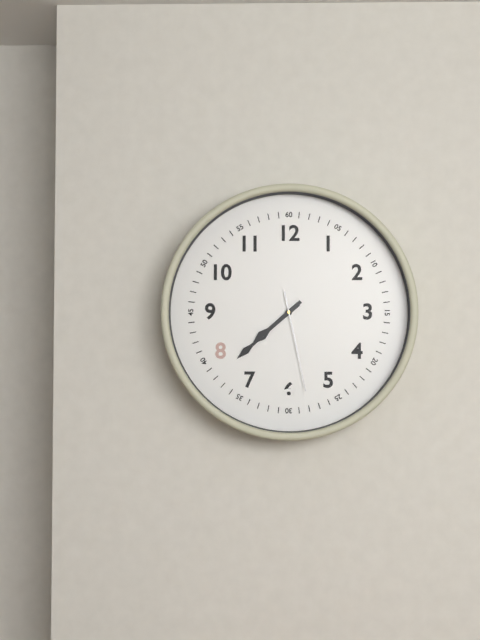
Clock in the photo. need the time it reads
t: 7:38:28
